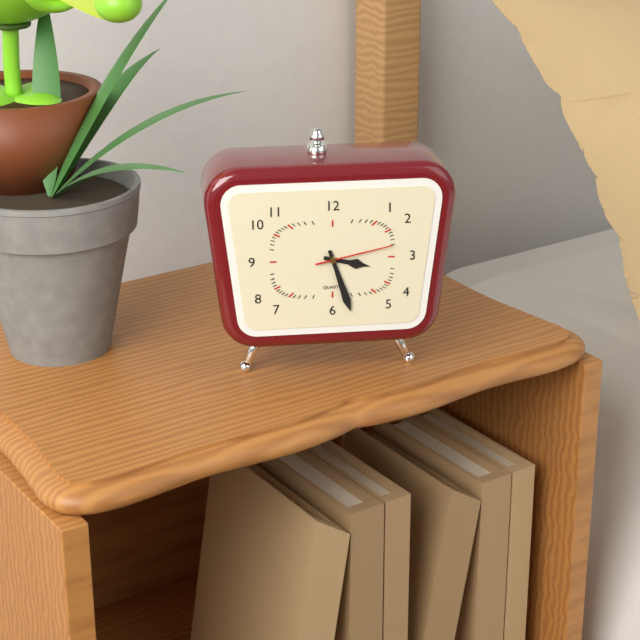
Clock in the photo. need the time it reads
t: 3:27:13
